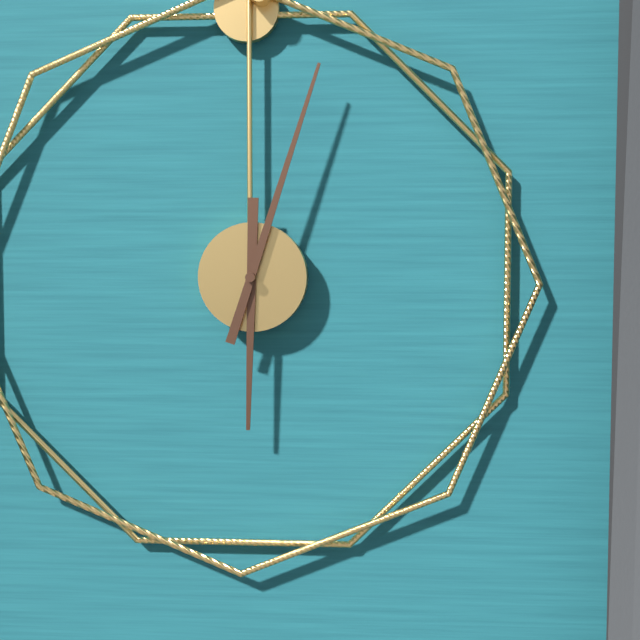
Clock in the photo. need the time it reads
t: 6:03
